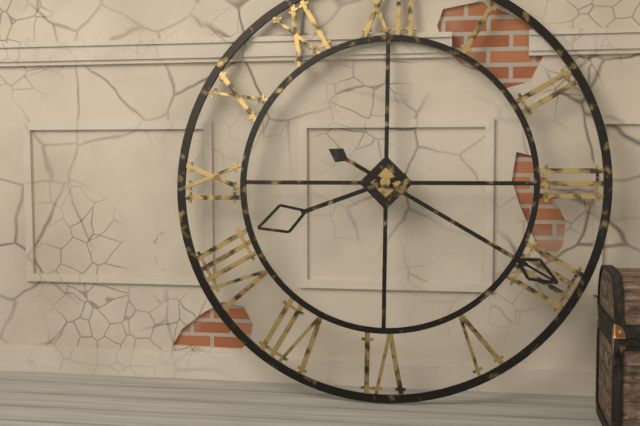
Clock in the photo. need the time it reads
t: 8:20
